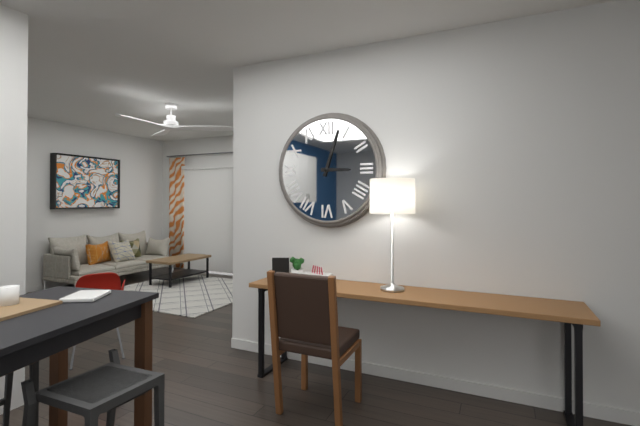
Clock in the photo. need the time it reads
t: 3:03
